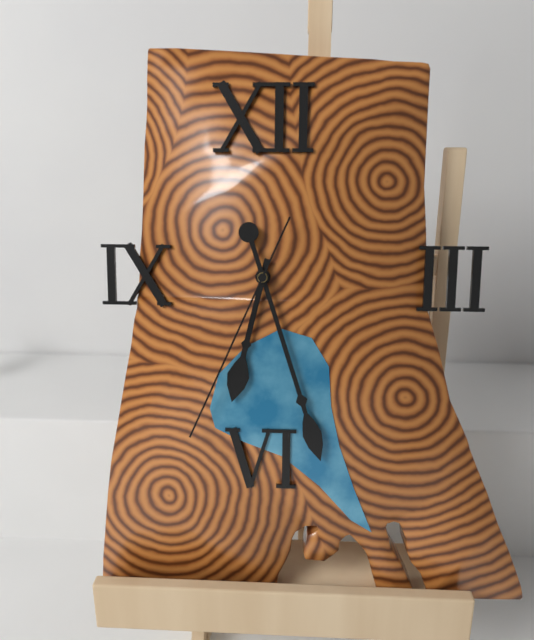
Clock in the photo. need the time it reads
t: 6:27:34
